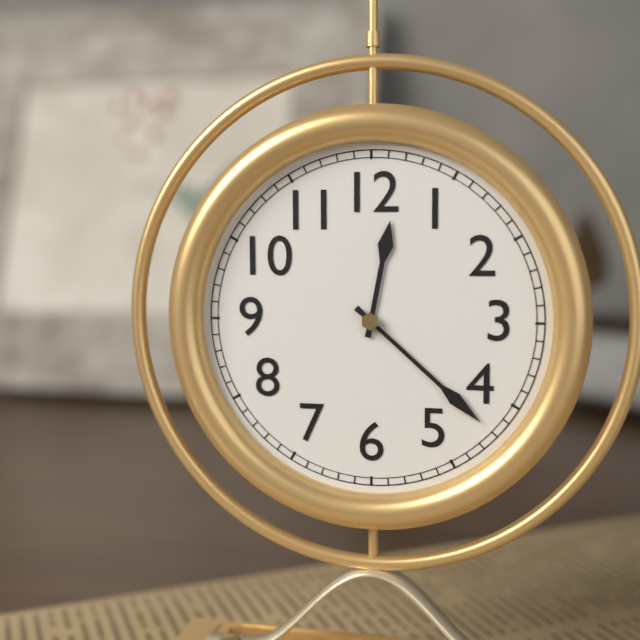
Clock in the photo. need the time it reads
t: 12:22
